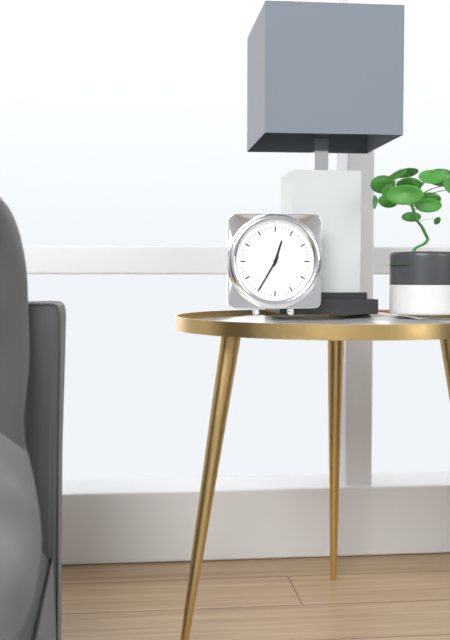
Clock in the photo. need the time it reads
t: 12:35
